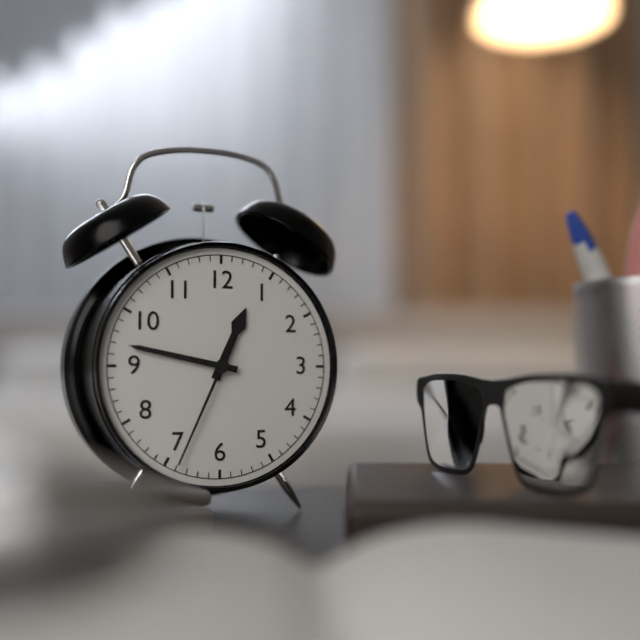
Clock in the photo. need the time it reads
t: 12:47:34
